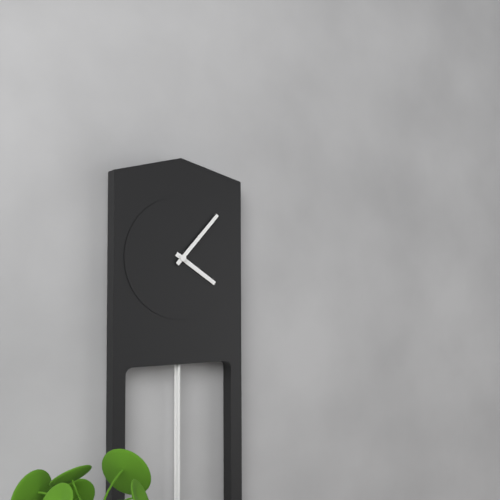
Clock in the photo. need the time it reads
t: 4:07
